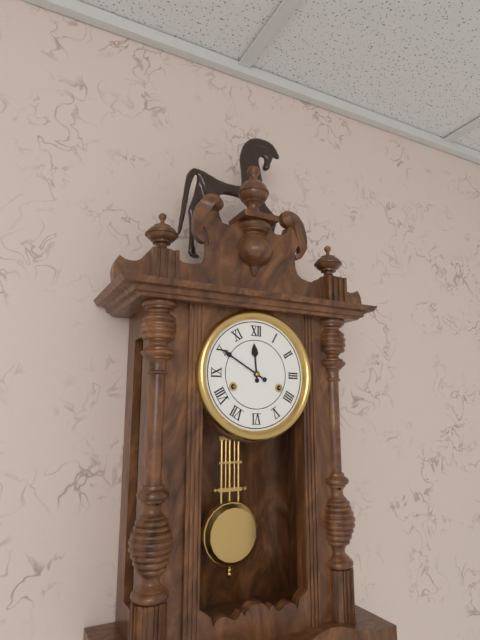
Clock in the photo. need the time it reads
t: 11:50
